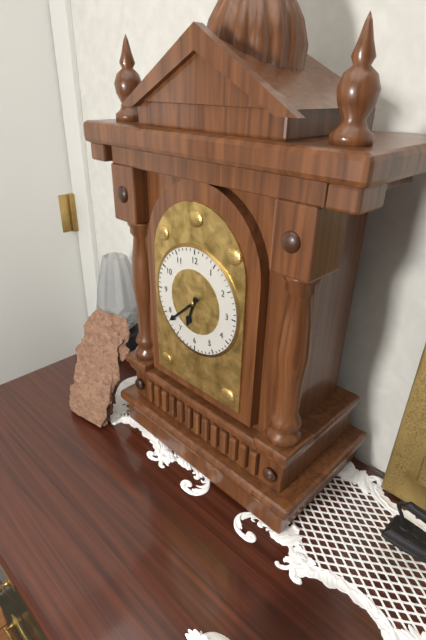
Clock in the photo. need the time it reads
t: 6:38
